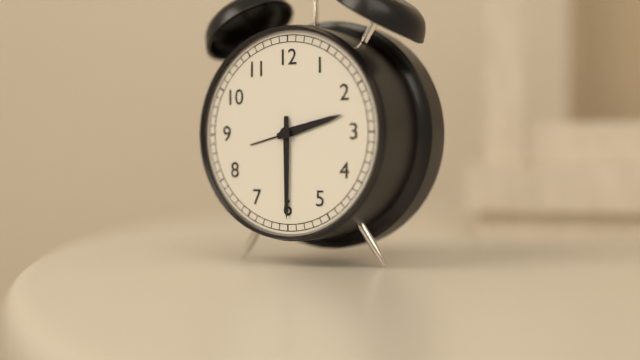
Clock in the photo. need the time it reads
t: 2:30
